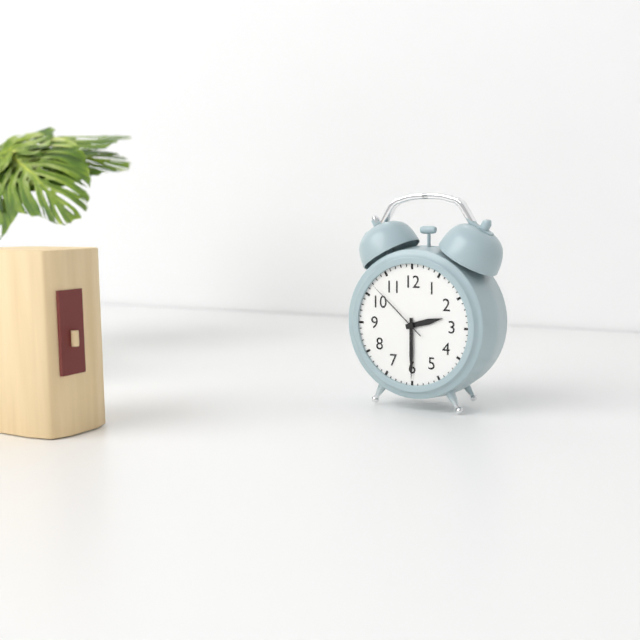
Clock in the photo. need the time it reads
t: 2:30:52
